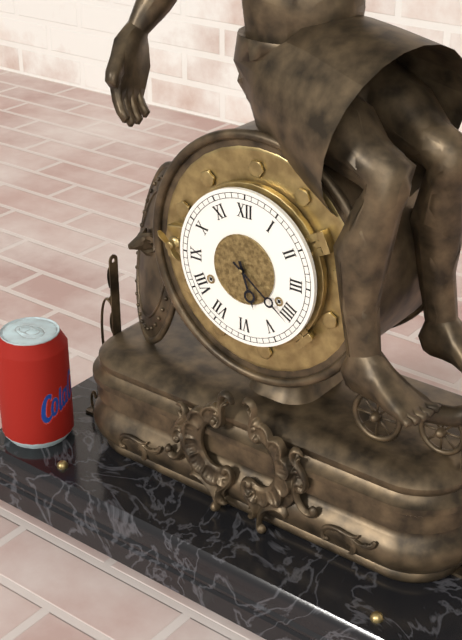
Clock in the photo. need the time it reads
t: 5:21
